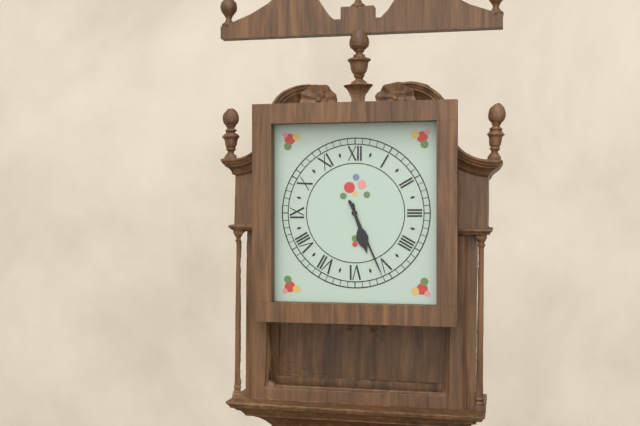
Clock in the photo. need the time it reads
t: 5:26
